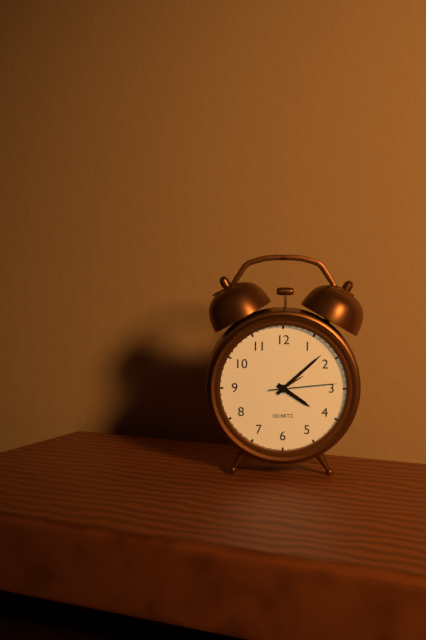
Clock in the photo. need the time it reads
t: 4:08:14
